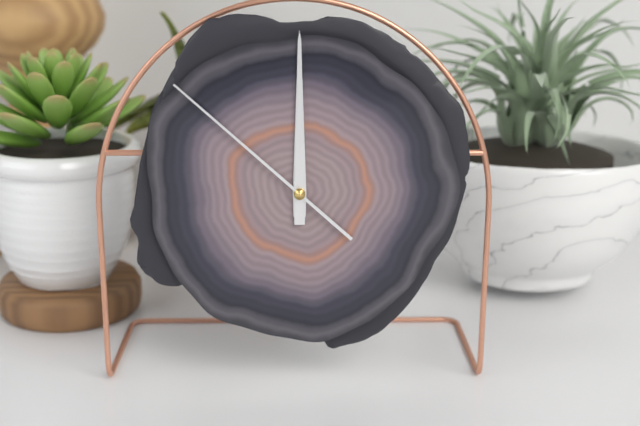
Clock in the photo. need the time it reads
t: 12:00:52
